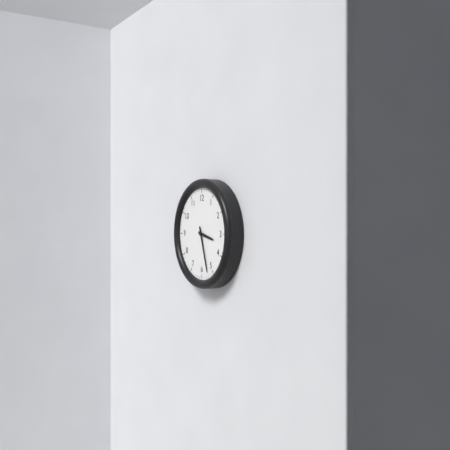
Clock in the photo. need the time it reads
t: 3:27
